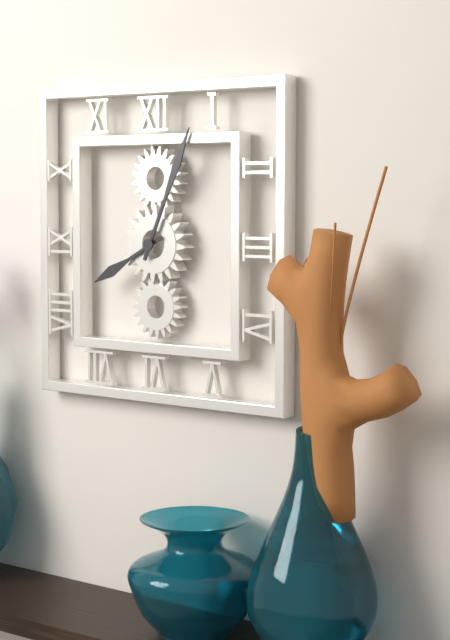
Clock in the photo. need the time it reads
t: 8:04
